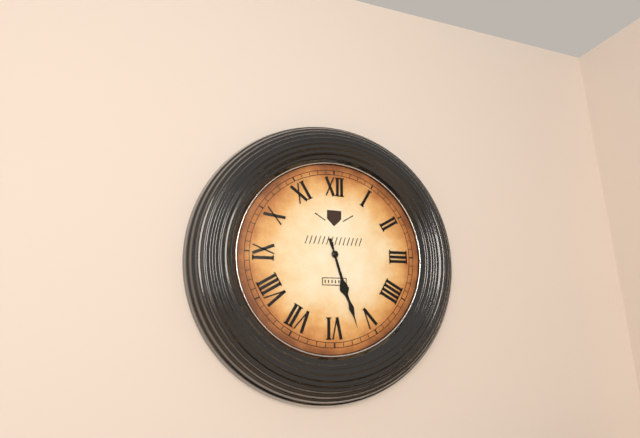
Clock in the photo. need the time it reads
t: 5:27
